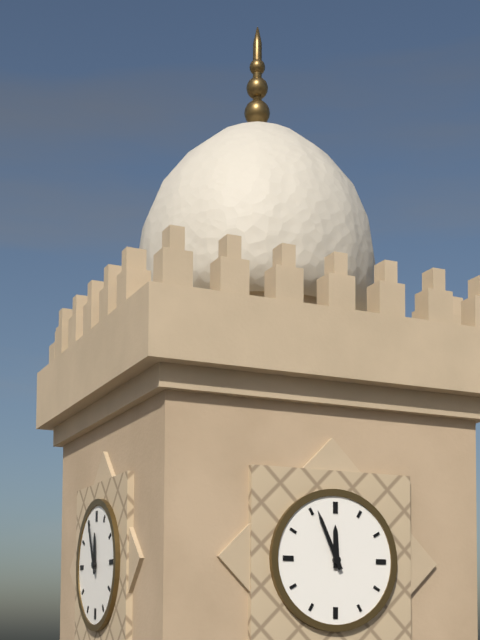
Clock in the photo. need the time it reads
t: 11:56
